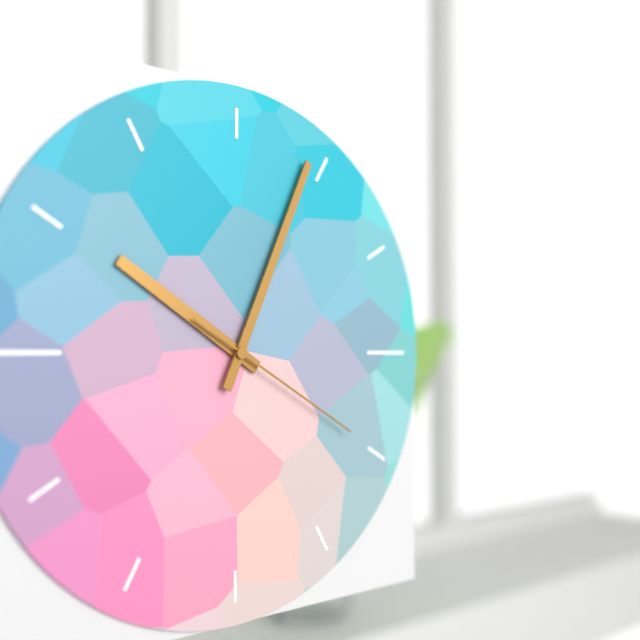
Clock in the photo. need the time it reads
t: 10:04:20
